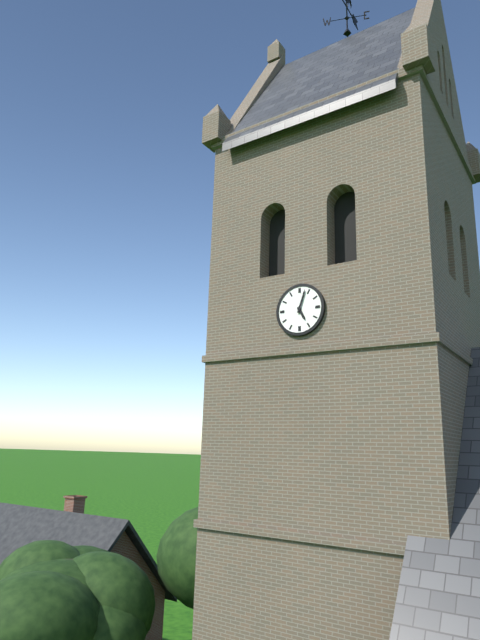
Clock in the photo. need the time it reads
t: 5:03
